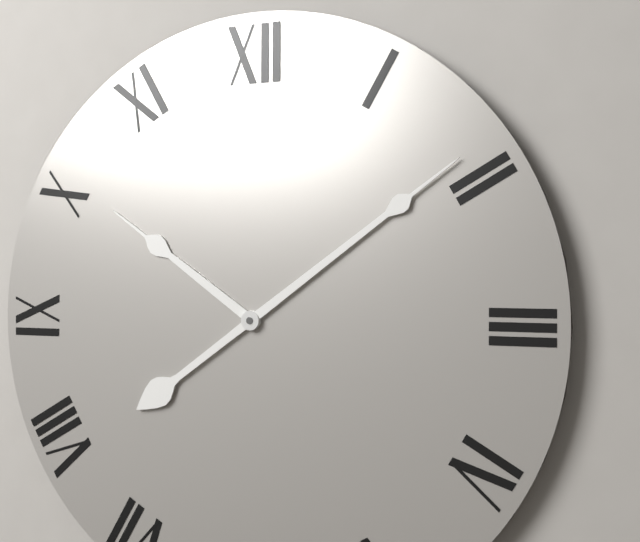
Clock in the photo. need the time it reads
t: 10:09
